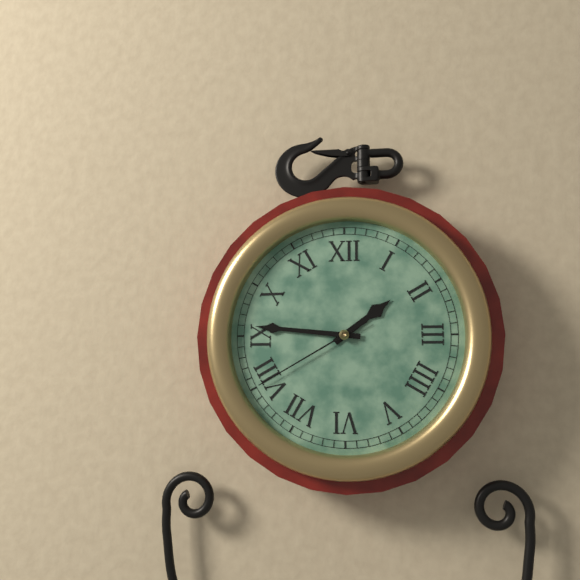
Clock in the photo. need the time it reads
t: 1:46:40
